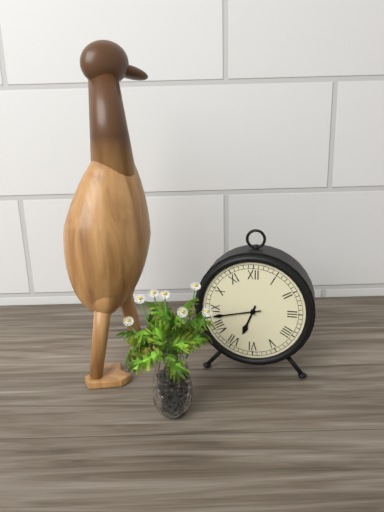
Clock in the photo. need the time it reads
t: 6:43
